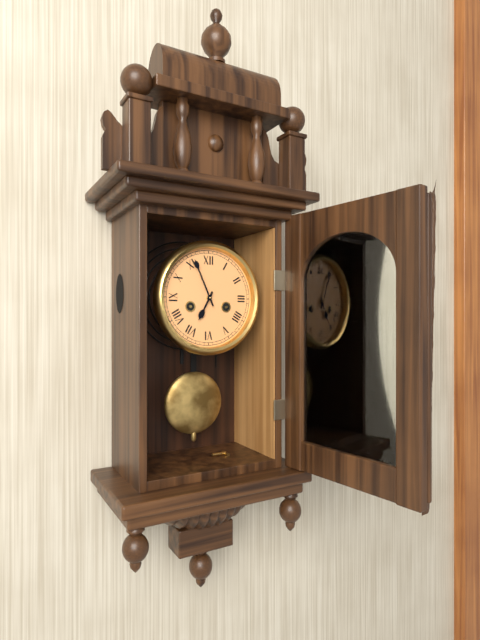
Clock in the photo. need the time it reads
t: 6:56
